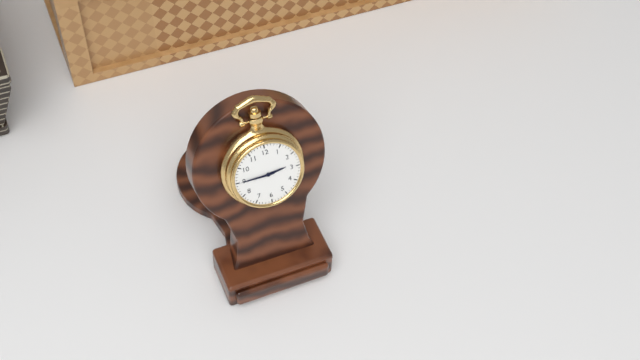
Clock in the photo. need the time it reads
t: 2:45
